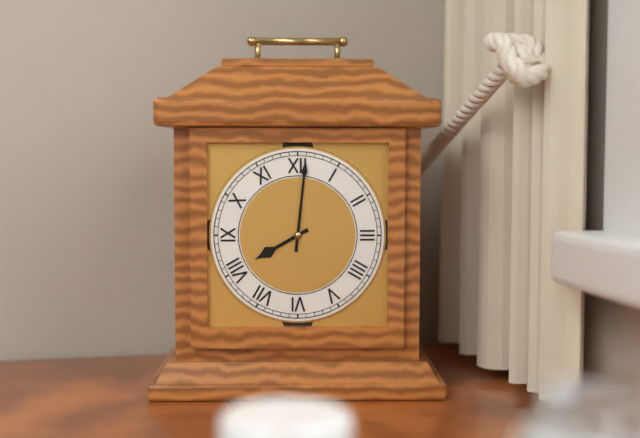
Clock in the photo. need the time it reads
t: 8:01
